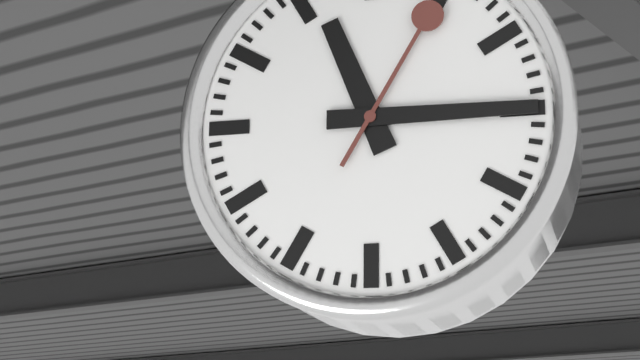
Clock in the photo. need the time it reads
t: 11:15:05
